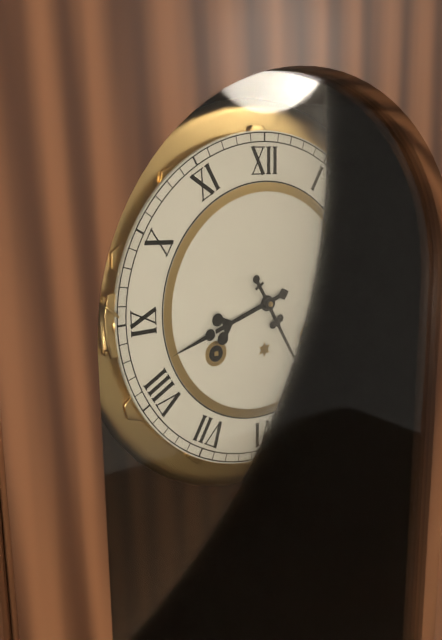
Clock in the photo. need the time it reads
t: 8:25
